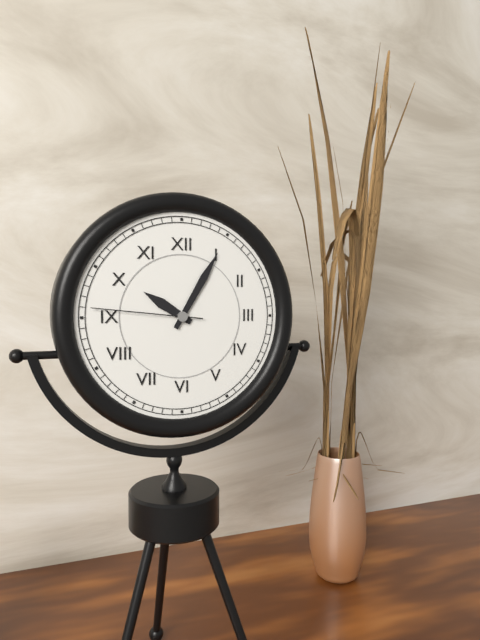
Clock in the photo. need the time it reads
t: 10:05:46
